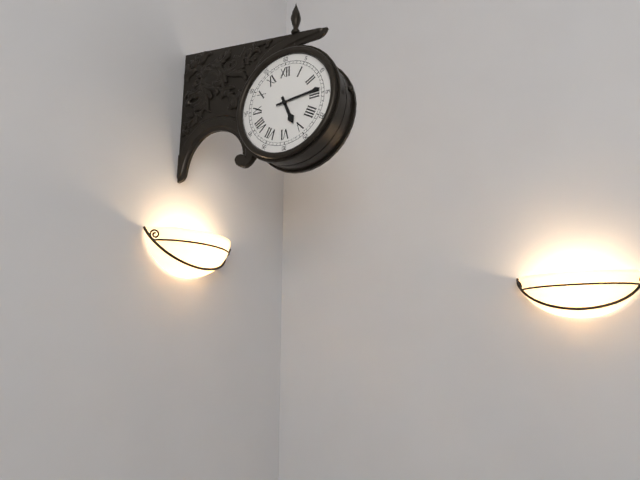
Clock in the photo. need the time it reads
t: 5:14
